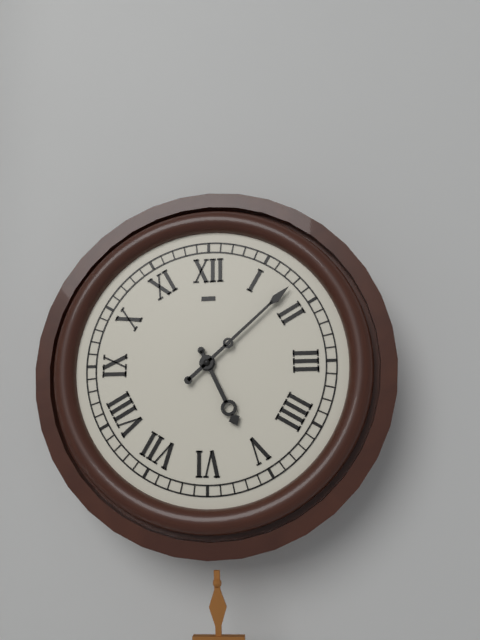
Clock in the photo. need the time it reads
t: 5:08
